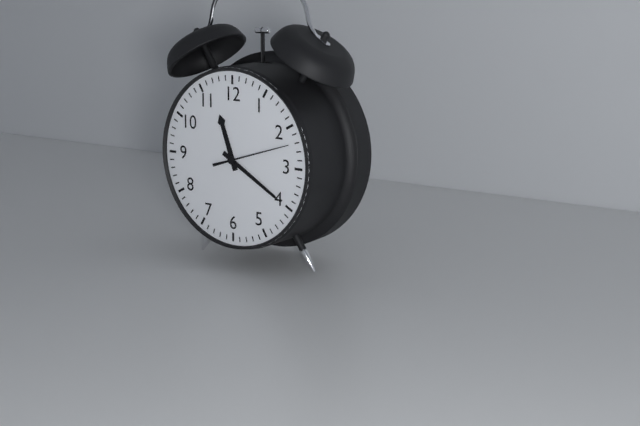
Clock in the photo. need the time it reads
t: 11:20:12
